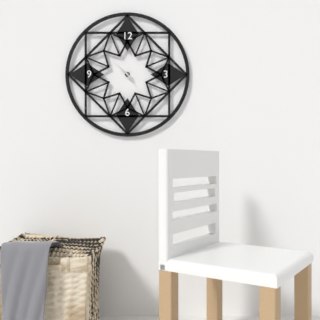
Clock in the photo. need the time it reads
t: 4:52
